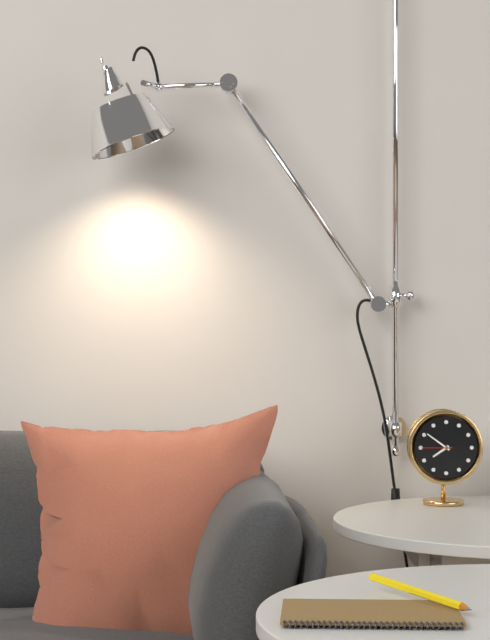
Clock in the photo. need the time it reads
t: 7:51
